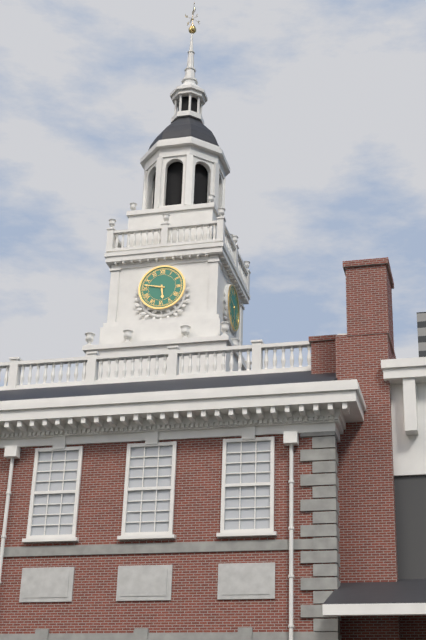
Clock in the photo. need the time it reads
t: 5:47
